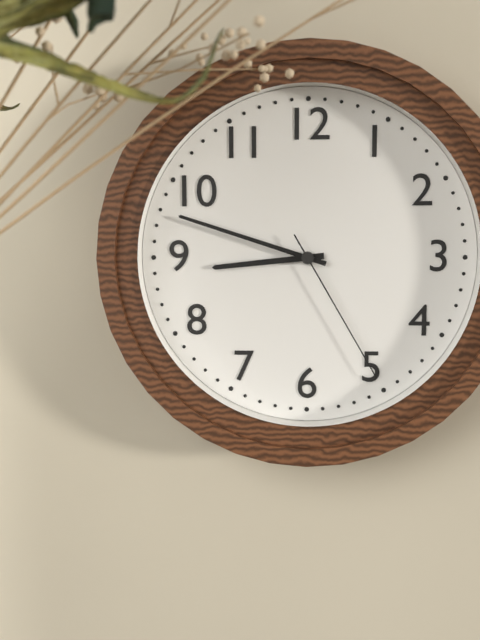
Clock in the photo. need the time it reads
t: 8:48:25
